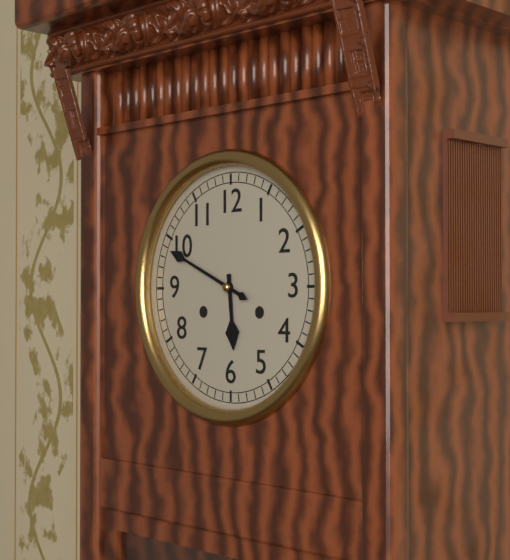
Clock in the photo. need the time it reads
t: 5:49
